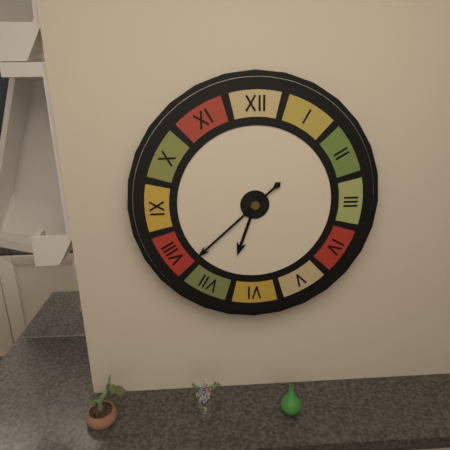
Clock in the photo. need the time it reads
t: 6:38
